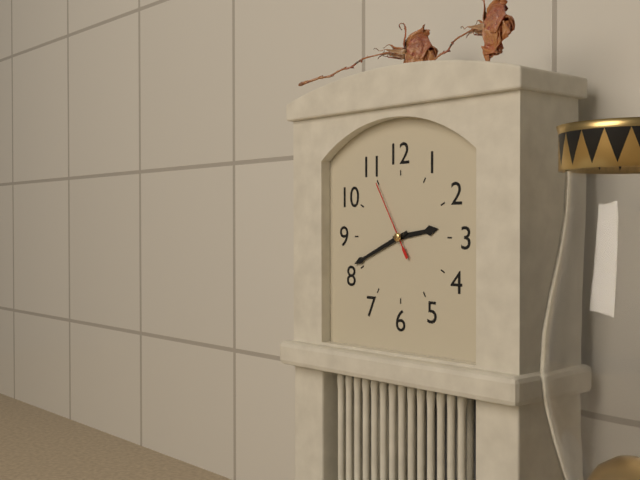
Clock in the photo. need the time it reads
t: 2:41:55
